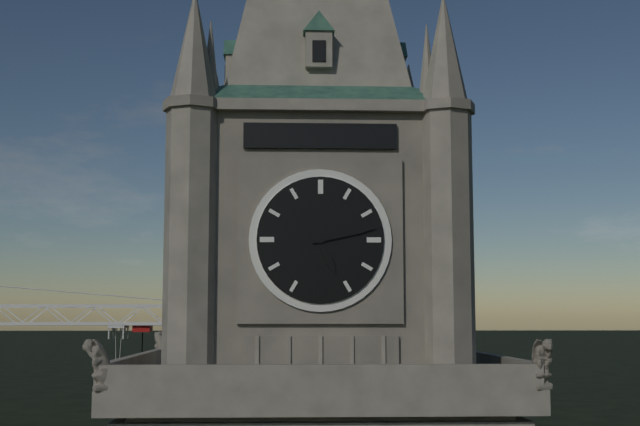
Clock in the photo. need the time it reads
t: 5:13
